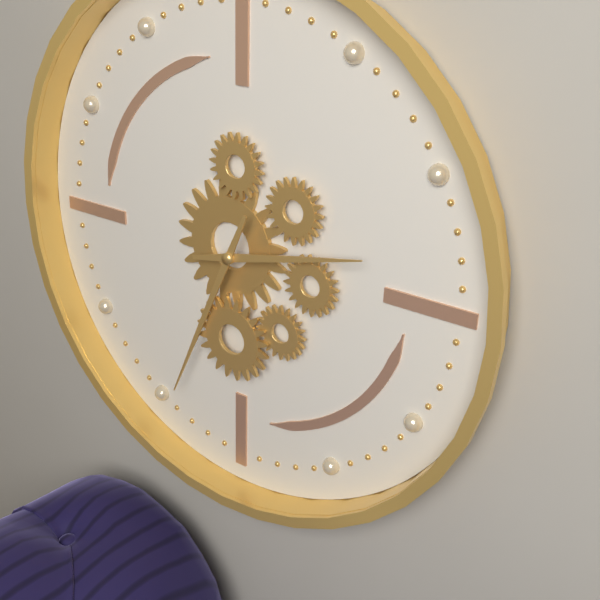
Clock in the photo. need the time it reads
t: 2:34
